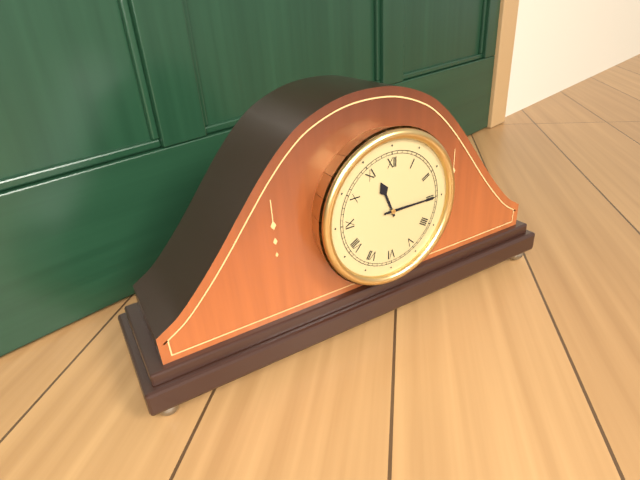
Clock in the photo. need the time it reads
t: 11:15
